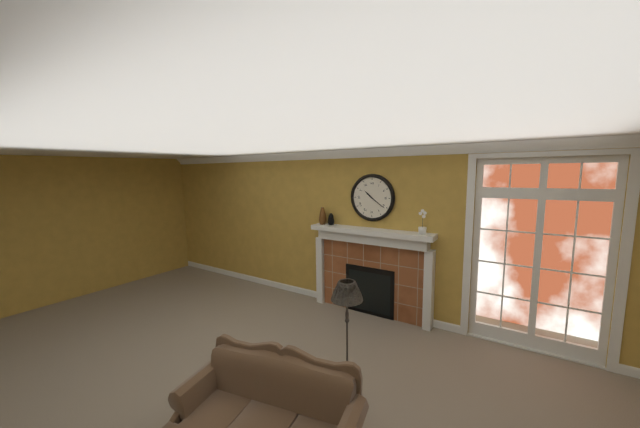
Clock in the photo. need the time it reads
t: 10:21
